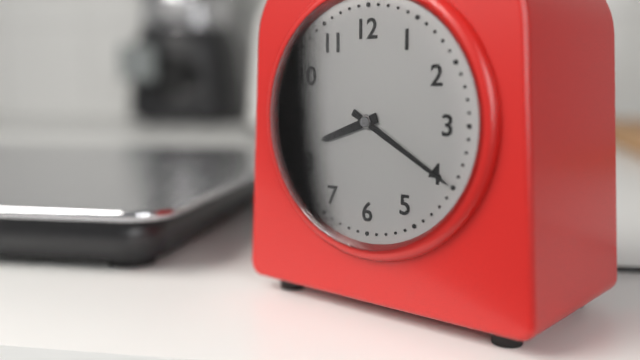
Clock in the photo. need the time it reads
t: 8:20
